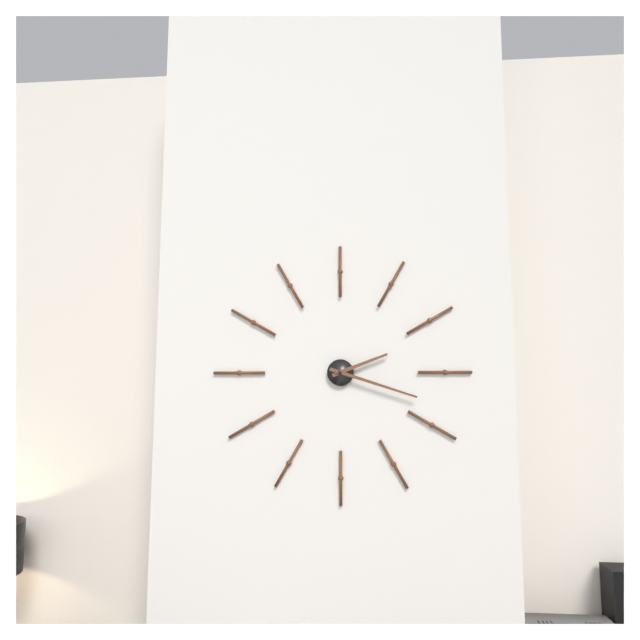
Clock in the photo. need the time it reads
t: 2:18
